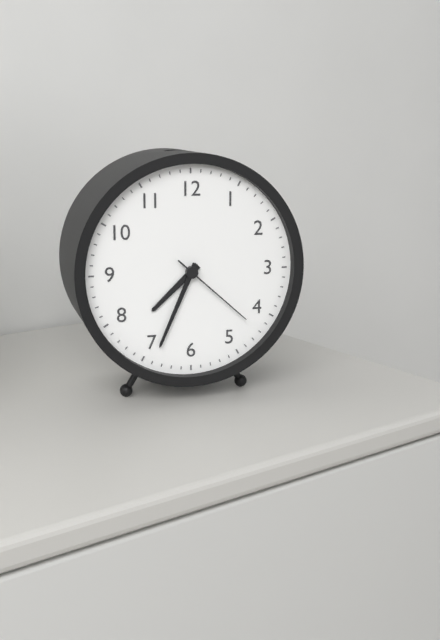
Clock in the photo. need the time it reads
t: 7:34:22
